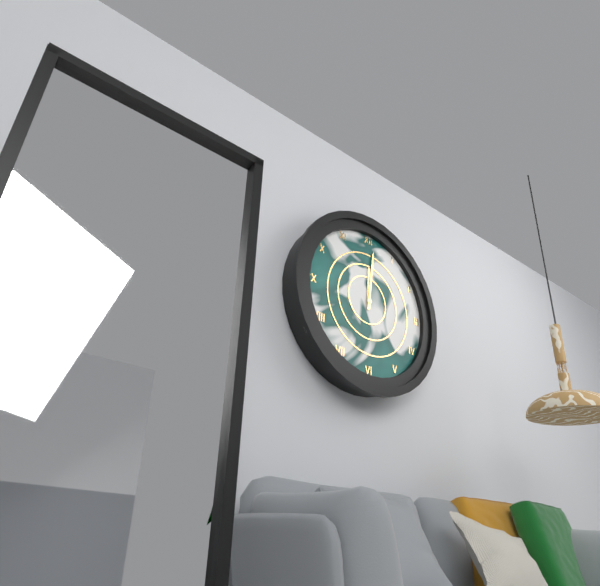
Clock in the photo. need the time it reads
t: 12:01
